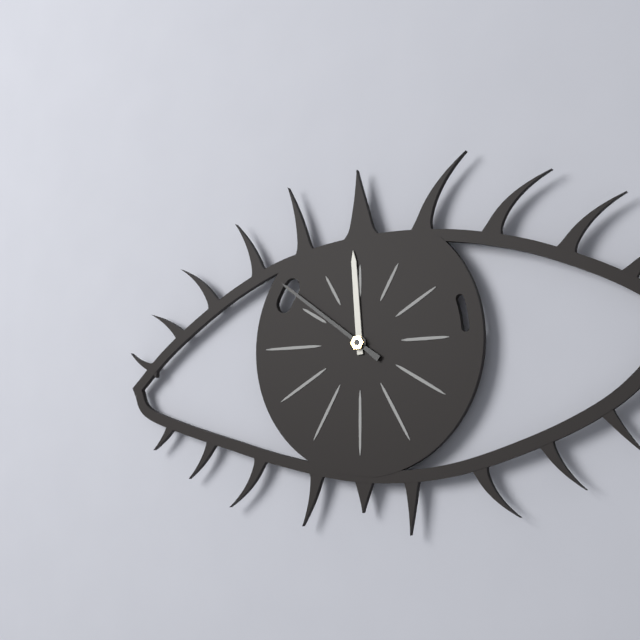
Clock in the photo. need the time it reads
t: 11:51
